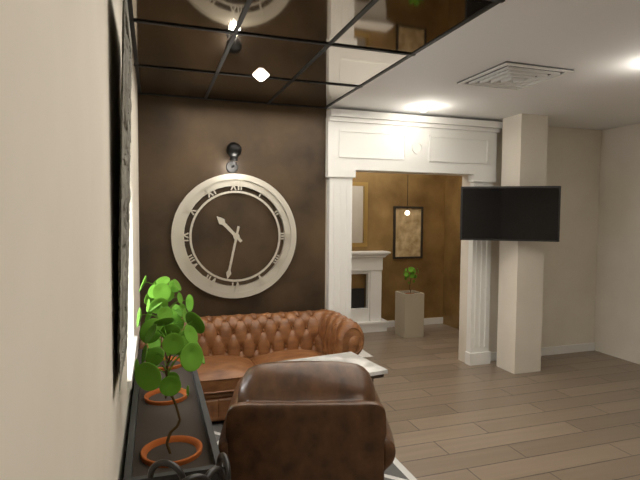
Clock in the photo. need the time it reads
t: 10:32
